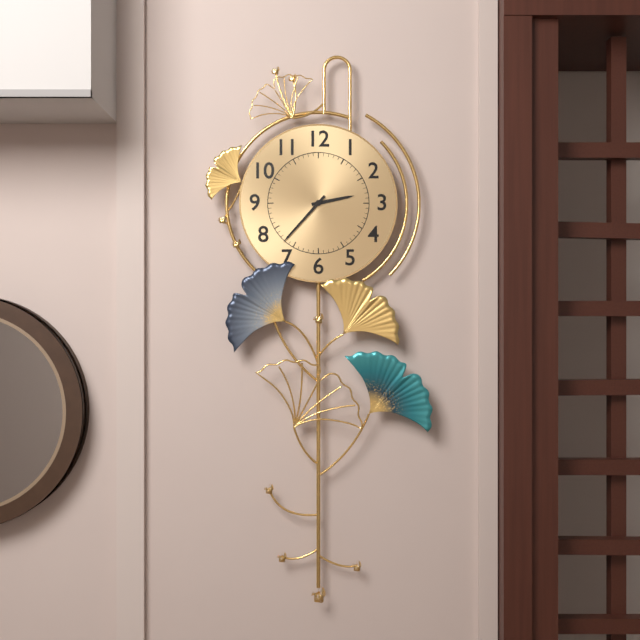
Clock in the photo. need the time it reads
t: 2:37
